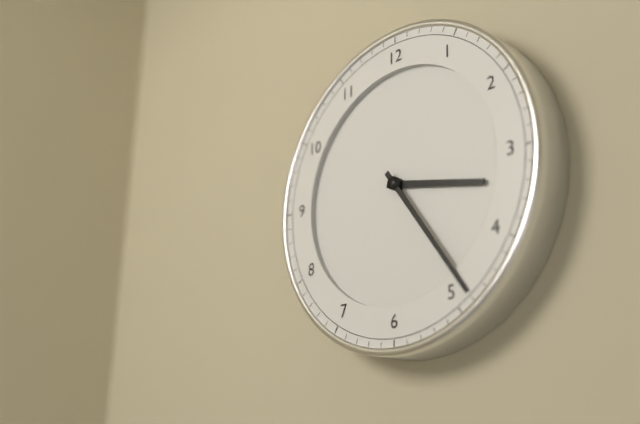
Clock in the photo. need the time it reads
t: 3:24
